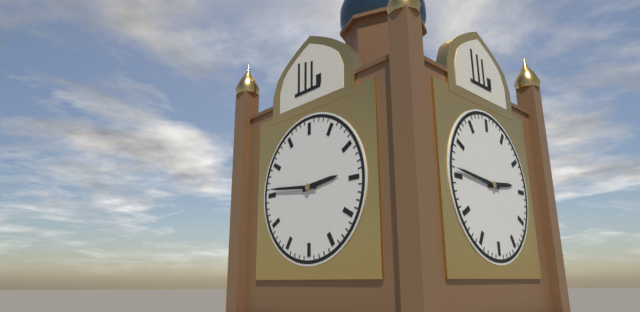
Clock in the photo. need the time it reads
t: 2:46
